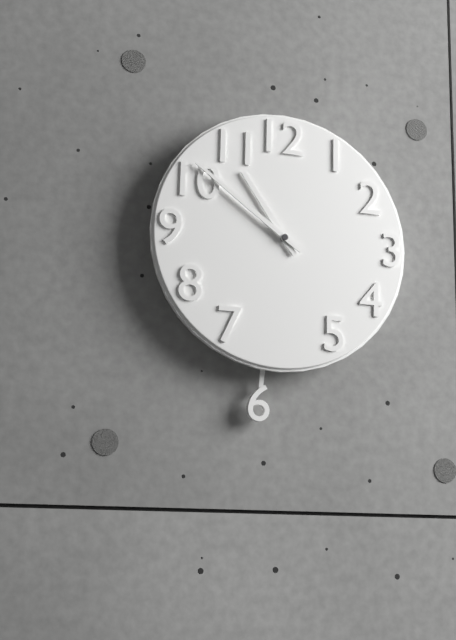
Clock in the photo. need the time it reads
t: 10:51
